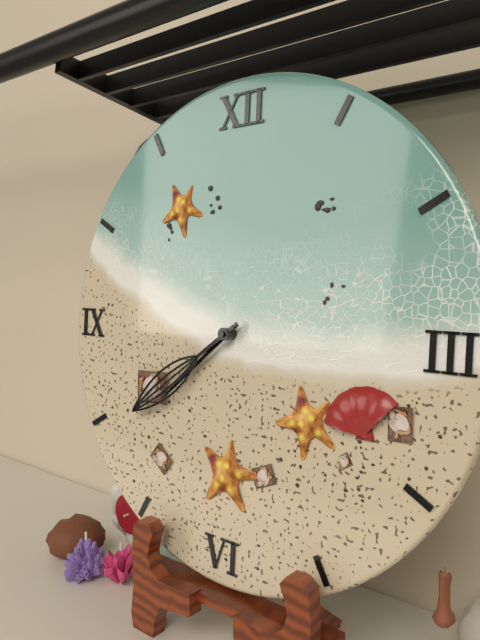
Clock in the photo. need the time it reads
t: 7:39
